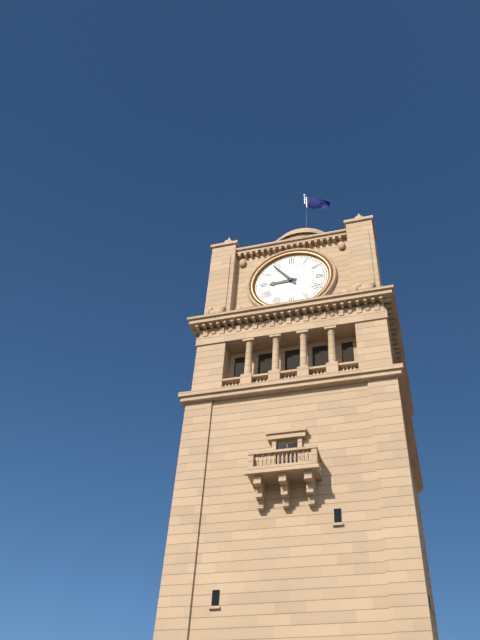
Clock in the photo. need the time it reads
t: 8:54
